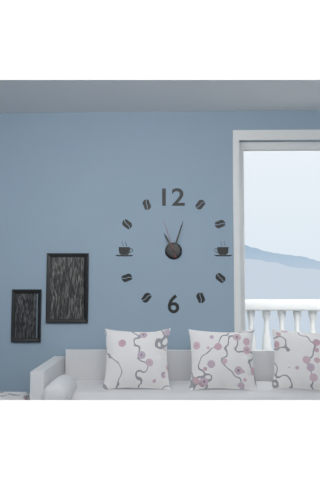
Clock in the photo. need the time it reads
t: 11:03
